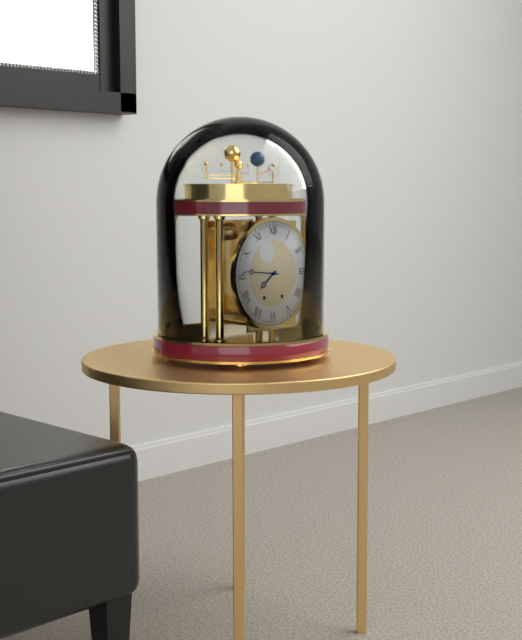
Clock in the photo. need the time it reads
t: 7:46
